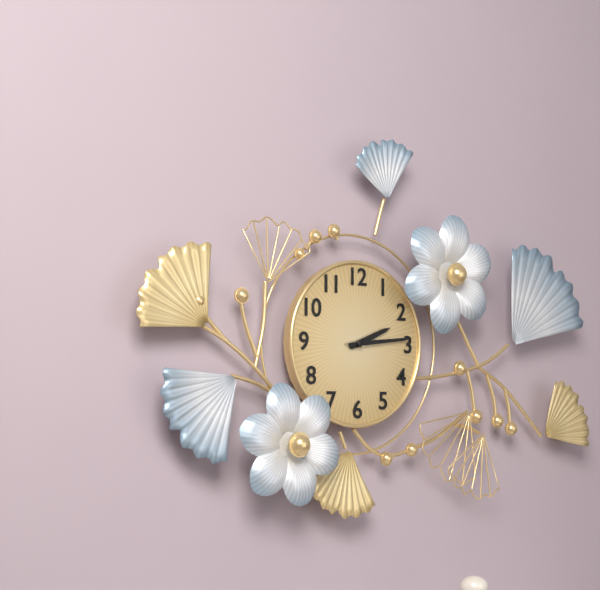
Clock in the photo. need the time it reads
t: 2:14
